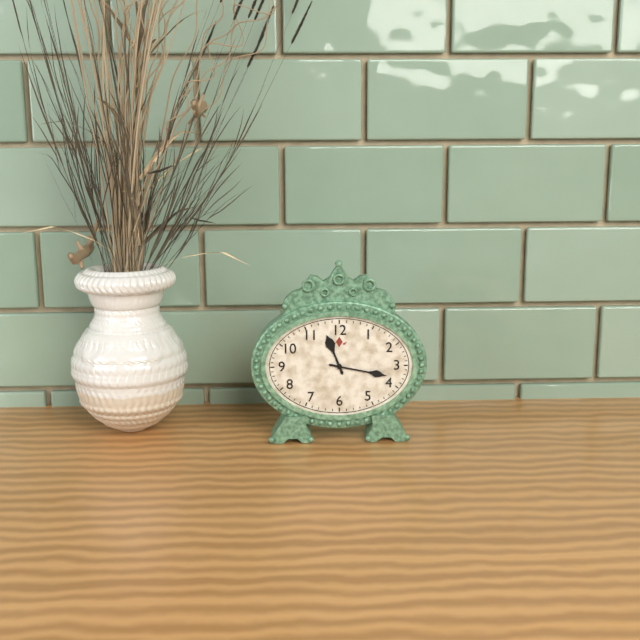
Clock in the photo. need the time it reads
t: 11:17
